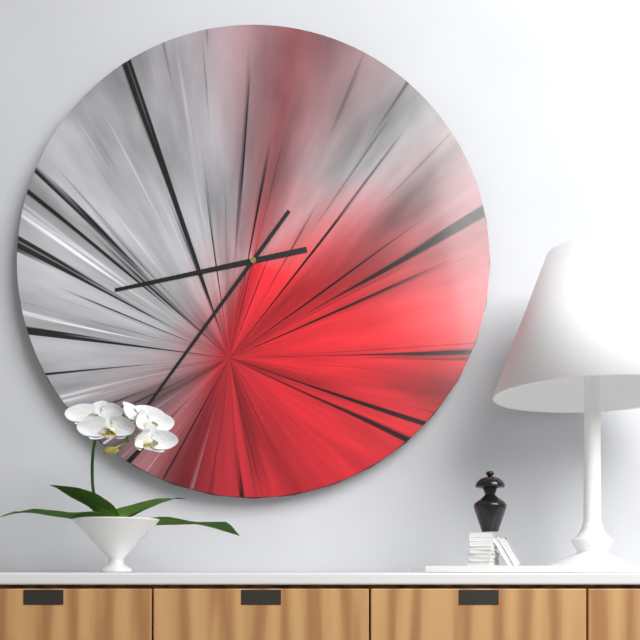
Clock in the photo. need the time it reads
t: 8:36
